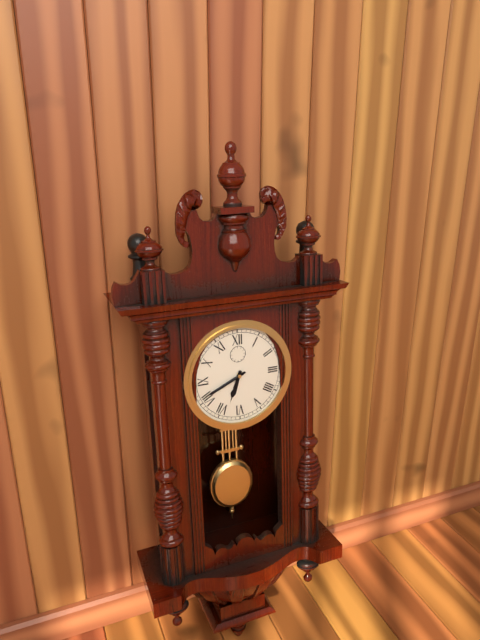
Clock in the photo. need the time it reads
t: 6:41
